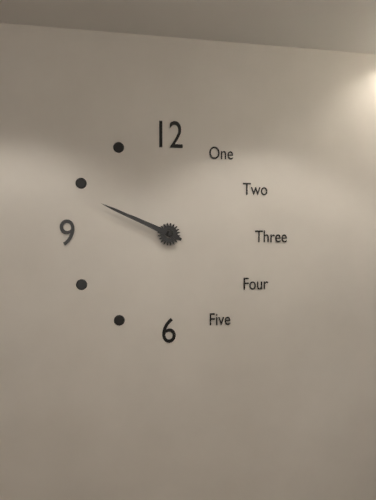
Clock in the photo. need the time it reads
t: 9:49
